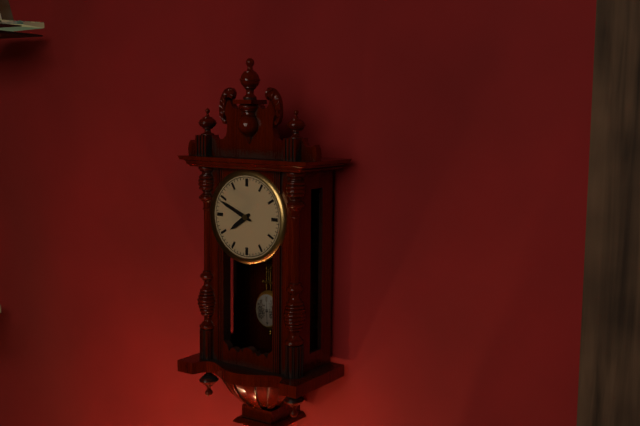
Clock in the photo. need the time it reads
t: 7:49
